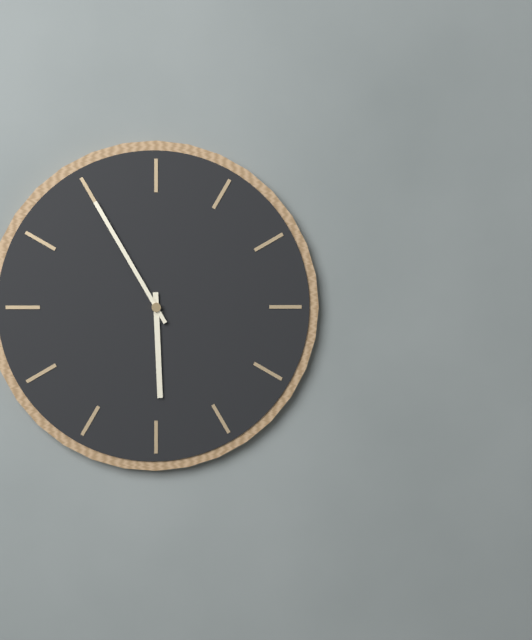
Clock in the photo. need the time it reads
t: 5:55
